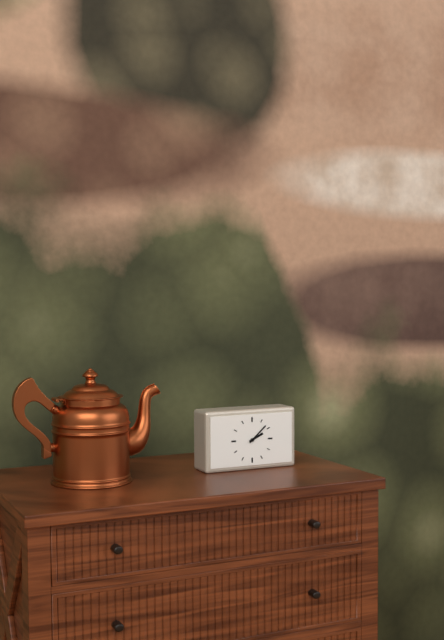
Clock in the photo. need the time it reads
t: 2:08
